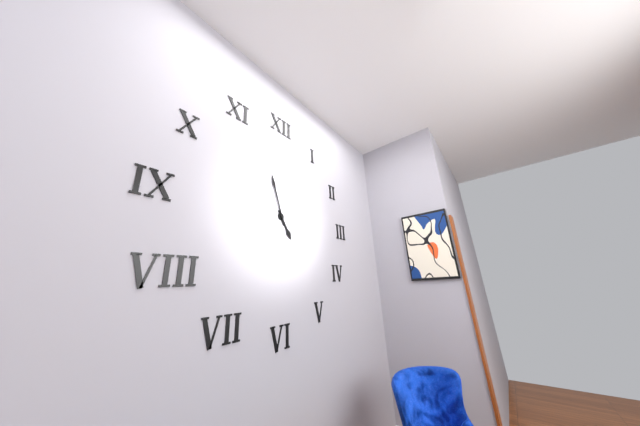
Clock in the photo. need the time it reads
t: 4:57
